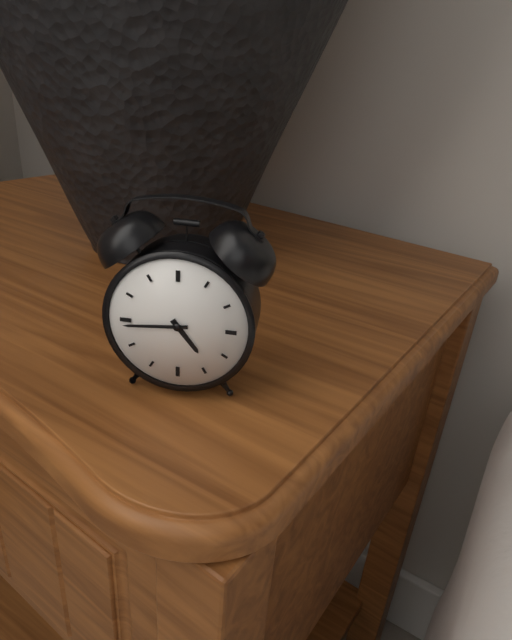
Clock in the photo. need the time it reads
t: 4:44
